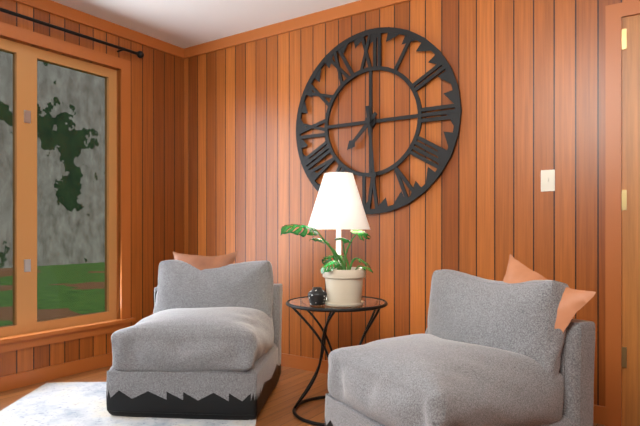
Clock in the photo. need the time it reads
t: 7:29
